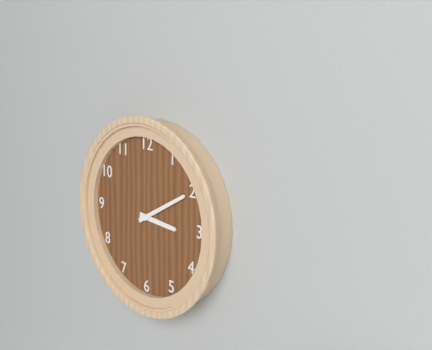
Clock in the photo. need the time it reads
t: 3:10
